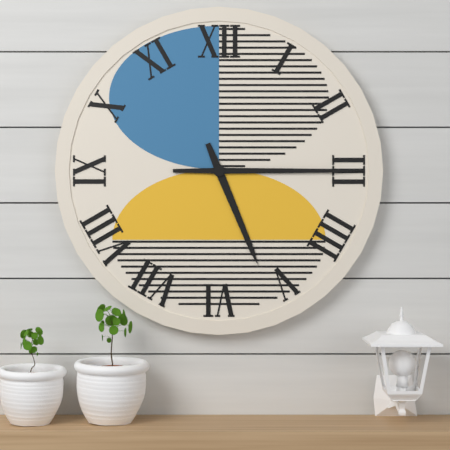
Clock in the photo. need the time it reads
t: 5:15
